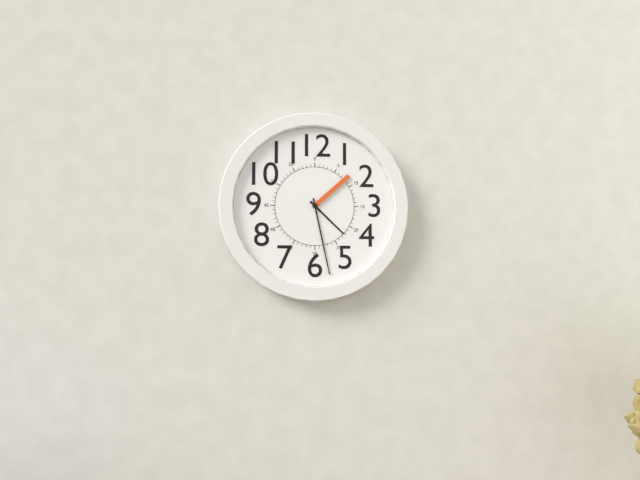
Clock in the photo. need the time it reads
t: 4:28:08
